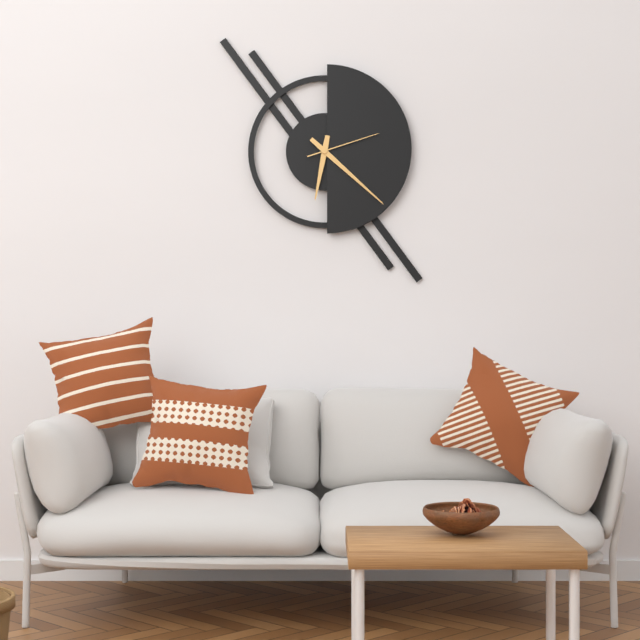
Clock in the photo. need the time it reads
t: 6:22:12
